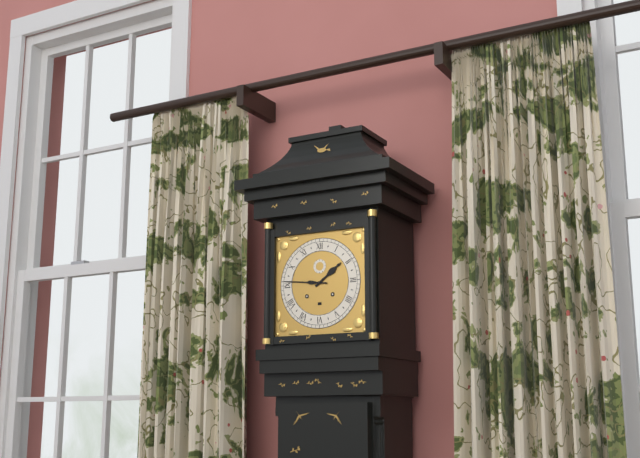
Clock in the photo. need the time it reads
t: 1:46
